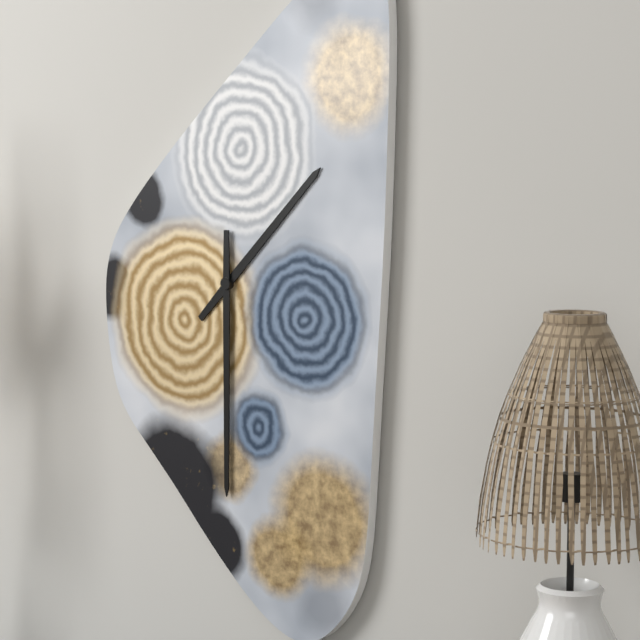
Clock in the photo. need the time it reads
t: 1:30
